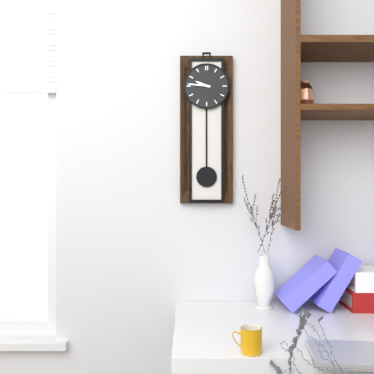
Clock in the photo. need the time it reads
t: 9:46
